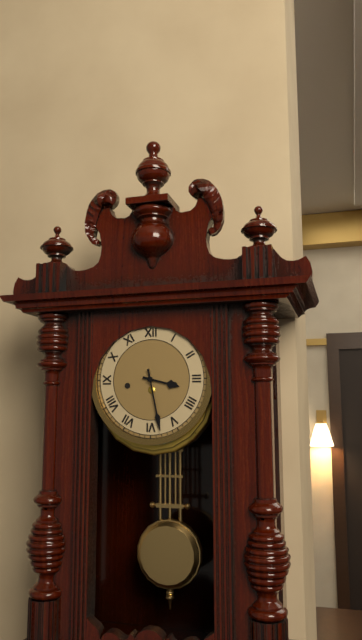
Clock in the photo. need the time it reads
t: 3:28
